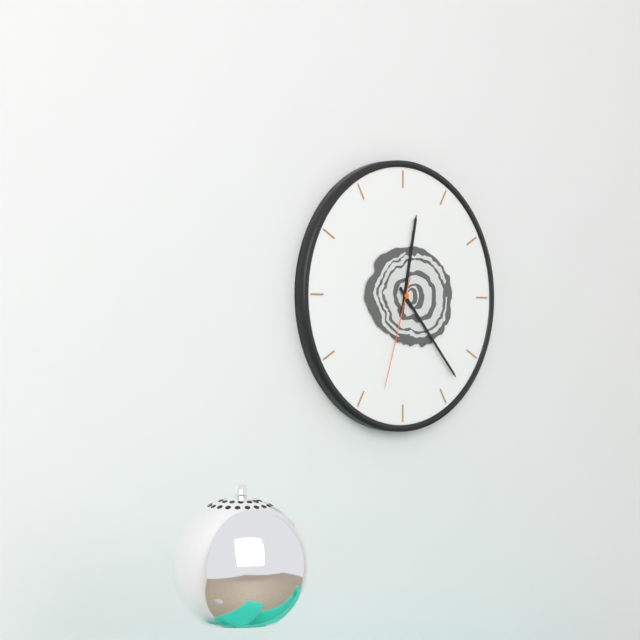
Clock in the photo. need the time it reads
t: 12:23:33
